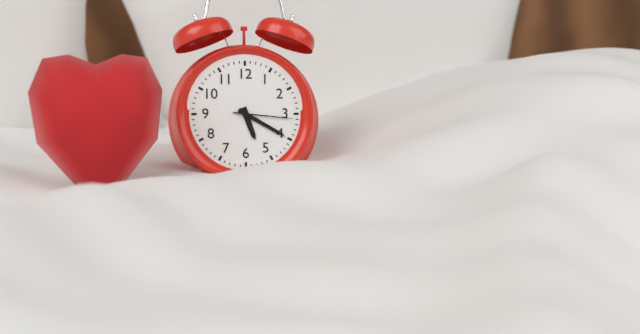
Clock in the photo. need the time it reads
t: 5:20:16
